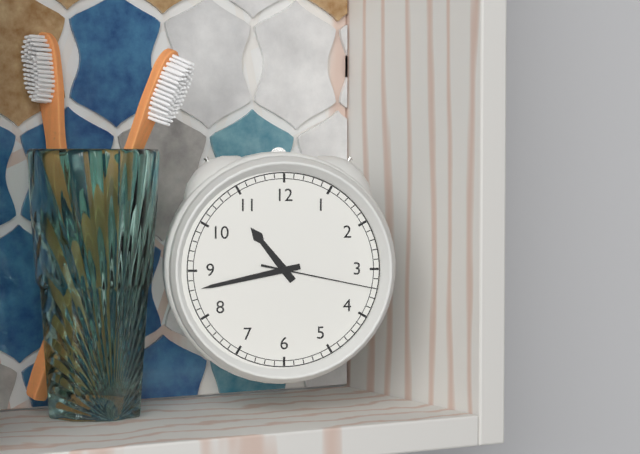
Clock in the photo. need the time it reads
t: 10:43:17
